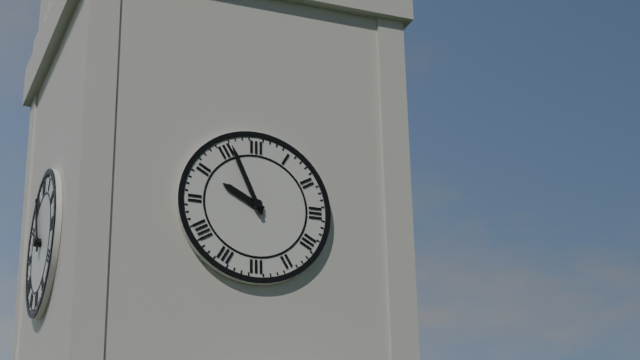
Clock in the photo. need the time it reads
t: 9:56
